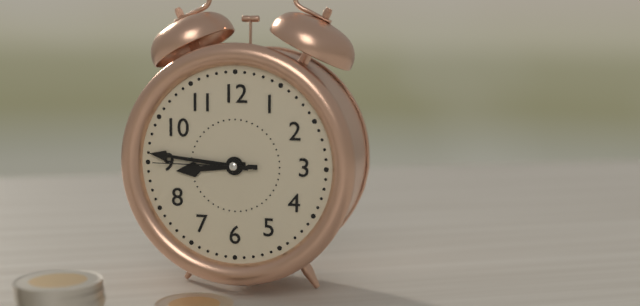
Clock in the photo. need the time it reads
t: 8:46:45
